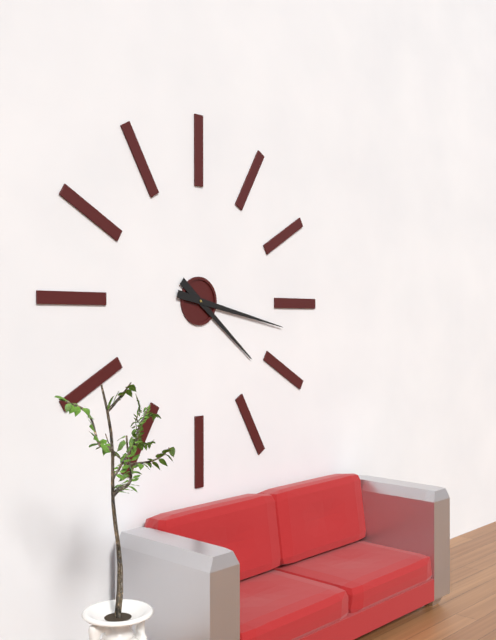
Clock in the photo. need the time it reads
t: 4:17
